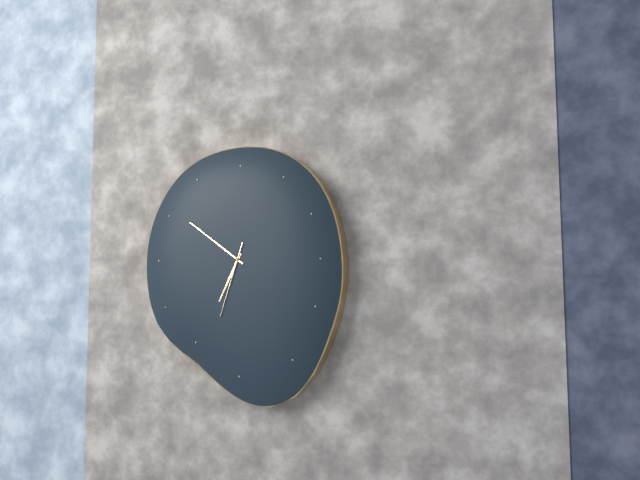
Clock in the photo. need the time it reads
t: 6:51:33
